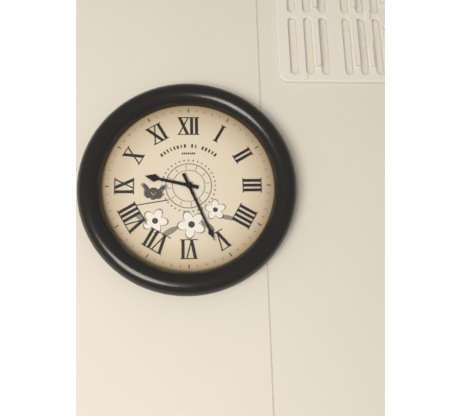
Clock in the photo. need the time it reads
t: 9:26
